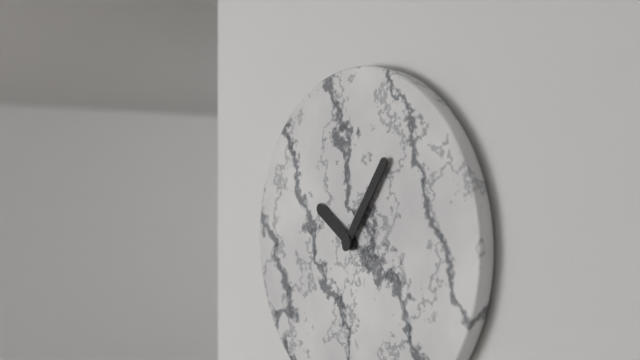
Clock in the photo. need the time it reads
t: 10:06
